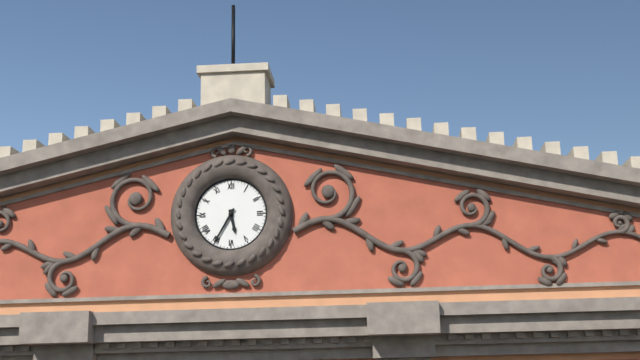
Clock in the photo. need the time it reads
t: 5:35
